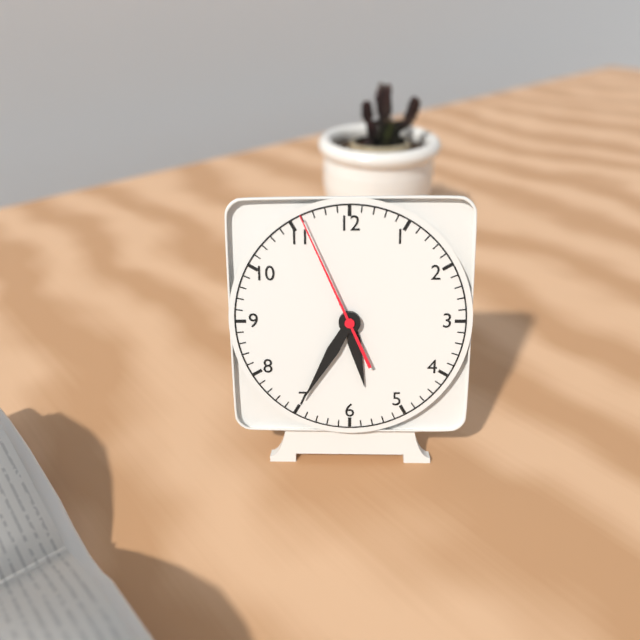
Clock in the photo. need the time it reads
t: 5:35:56
